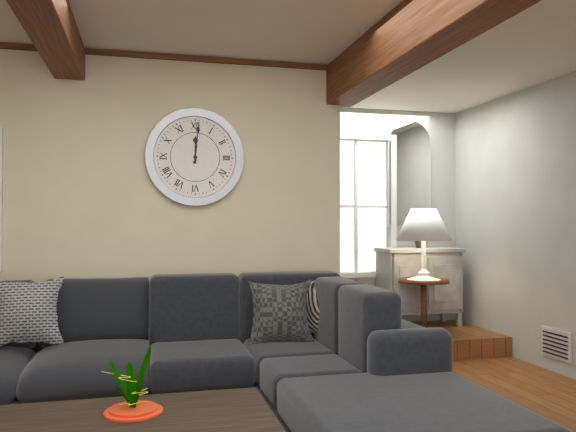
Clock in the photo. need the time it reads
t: 12:01
